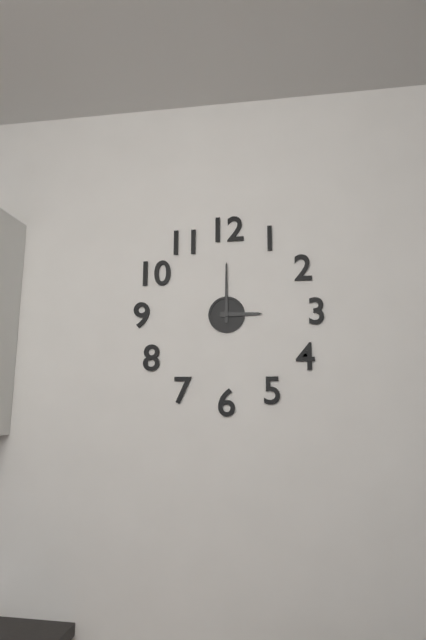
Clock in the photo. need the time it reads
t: 3:00
